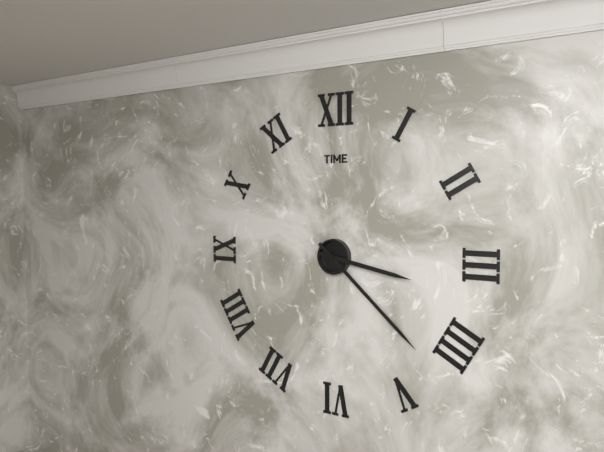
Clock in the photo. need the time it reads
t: 3:22
